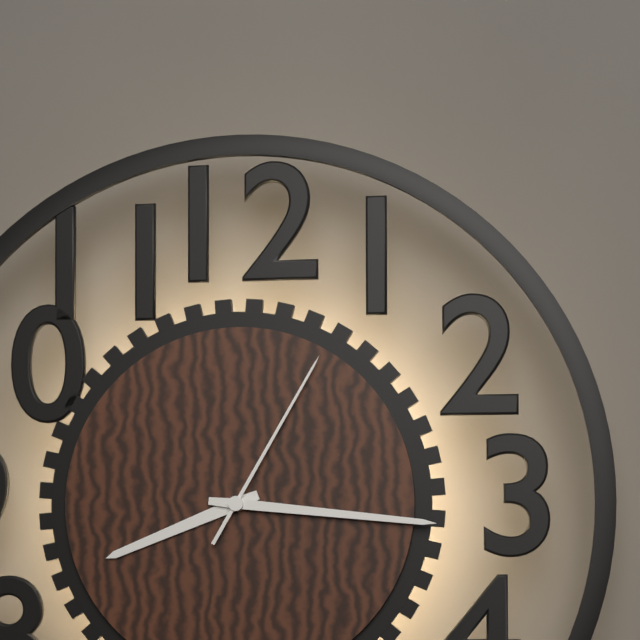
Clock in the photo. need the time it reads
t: 8:16:05
